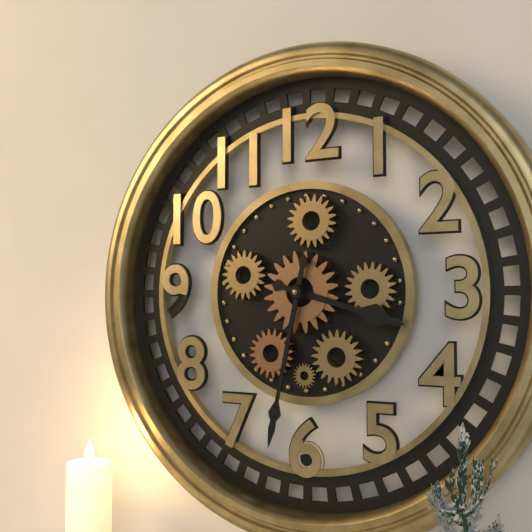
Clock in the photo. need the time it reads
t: 3:32
